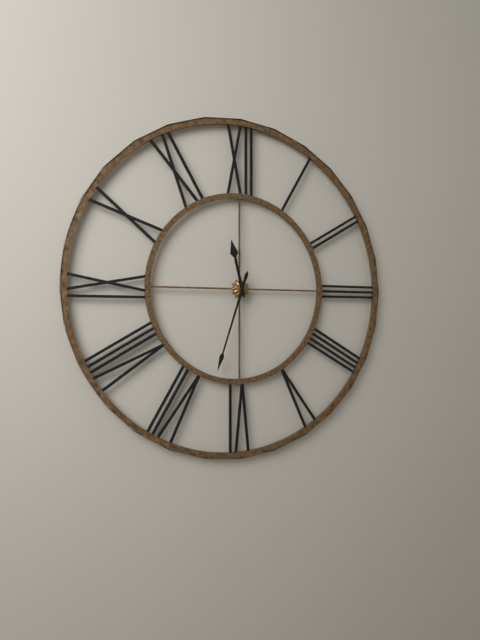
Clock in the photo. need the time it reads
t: 11:33
